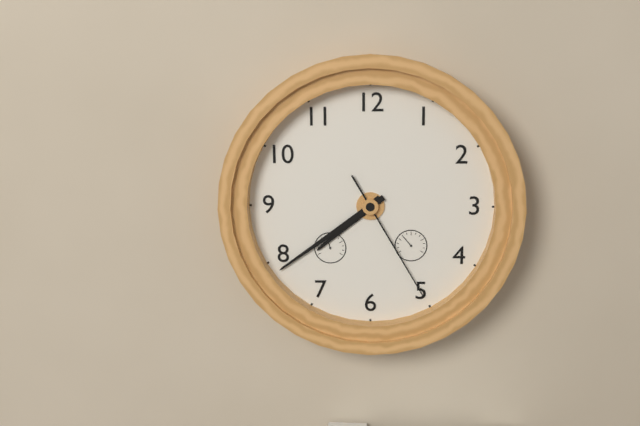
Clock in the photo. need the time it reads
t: 7:39:25
